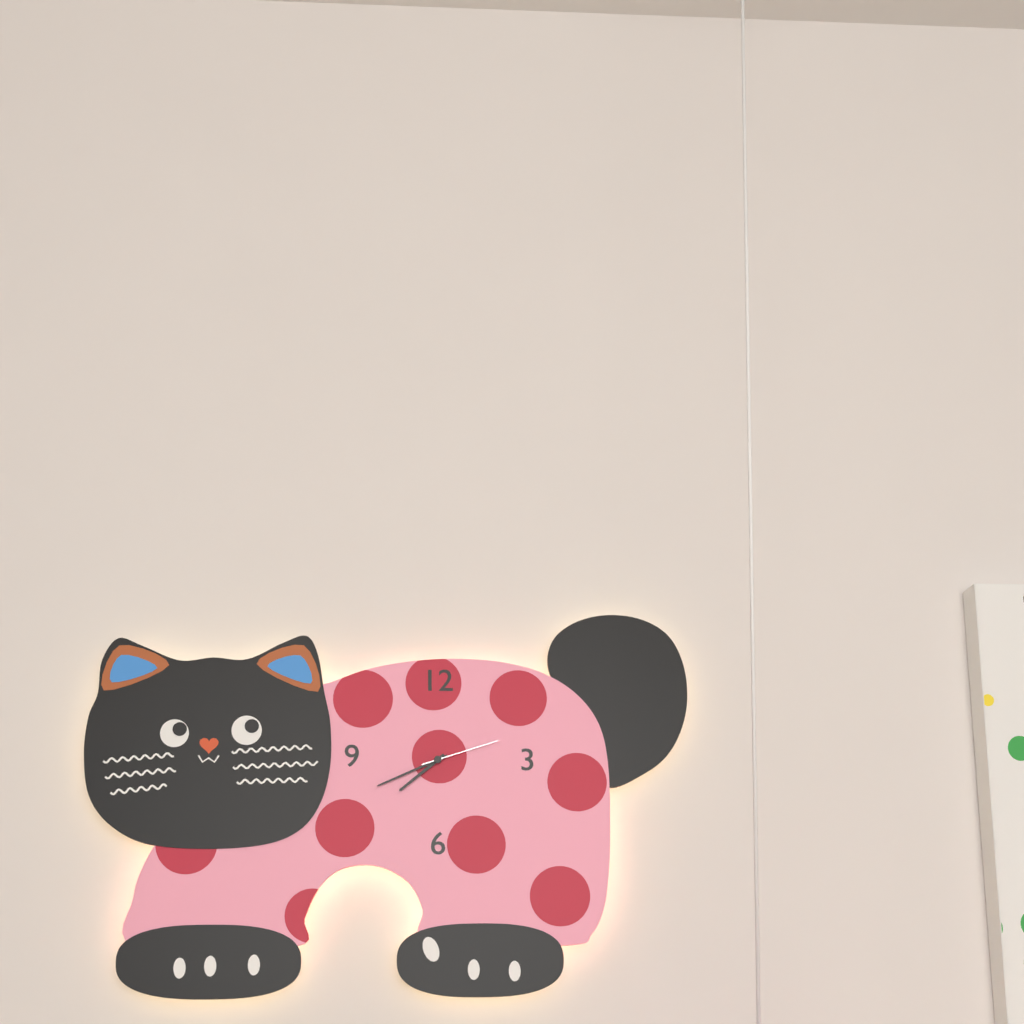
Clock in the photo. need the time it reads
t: 7:41:12
